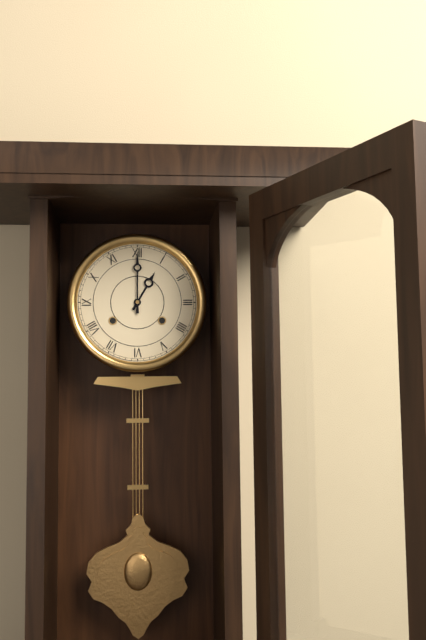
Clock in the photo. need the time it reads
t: 1:00
